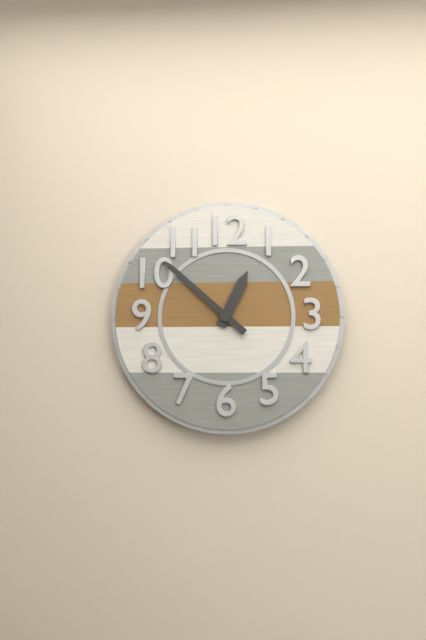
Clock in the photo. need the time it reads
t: 12:52
